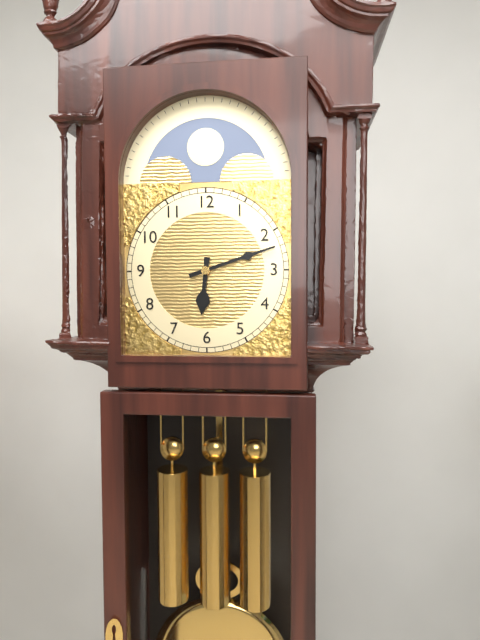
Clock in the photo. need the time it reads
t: 6:12
